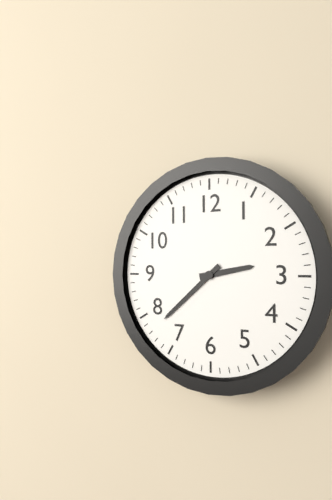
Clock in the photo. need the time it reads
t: 2:38
